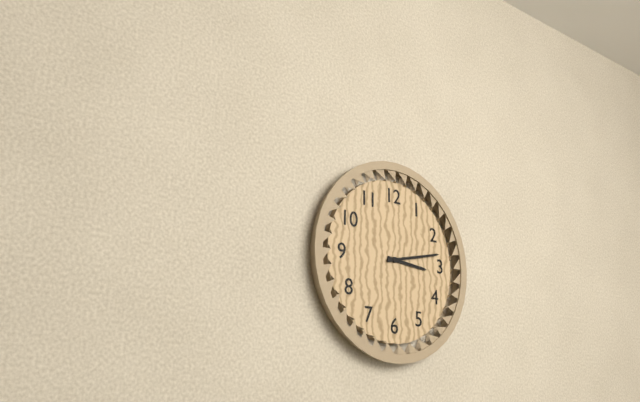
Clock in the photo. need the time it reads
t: 3:13
